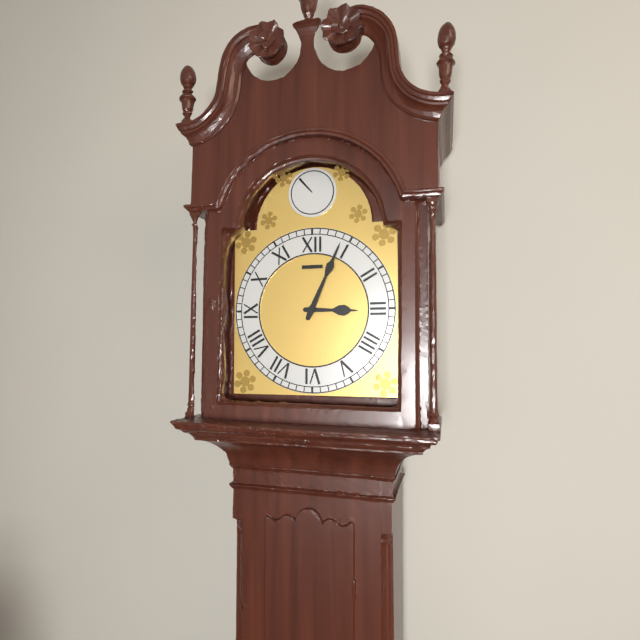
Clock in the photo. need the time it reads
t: 3:04
